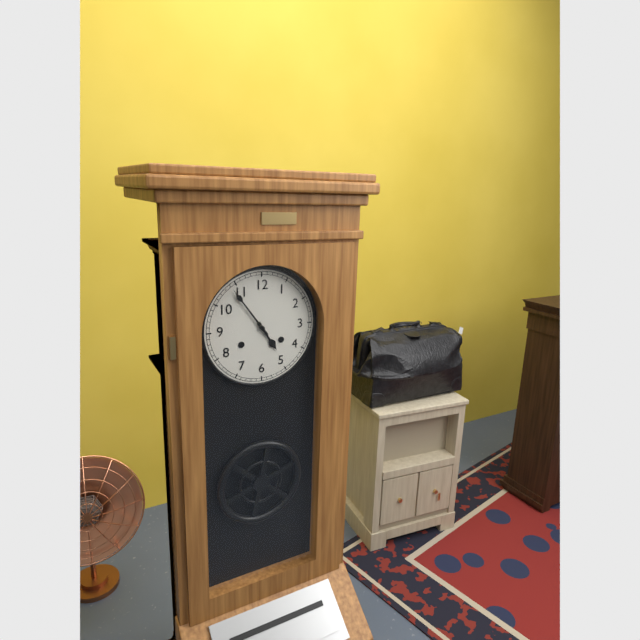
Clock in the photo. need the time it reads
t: 4:54
